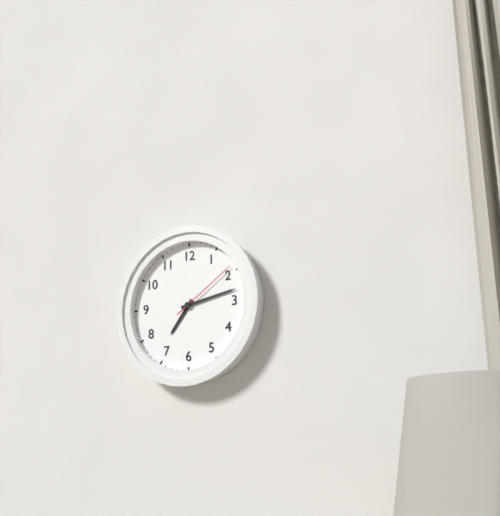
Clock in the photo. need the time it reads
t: 7:13:09
